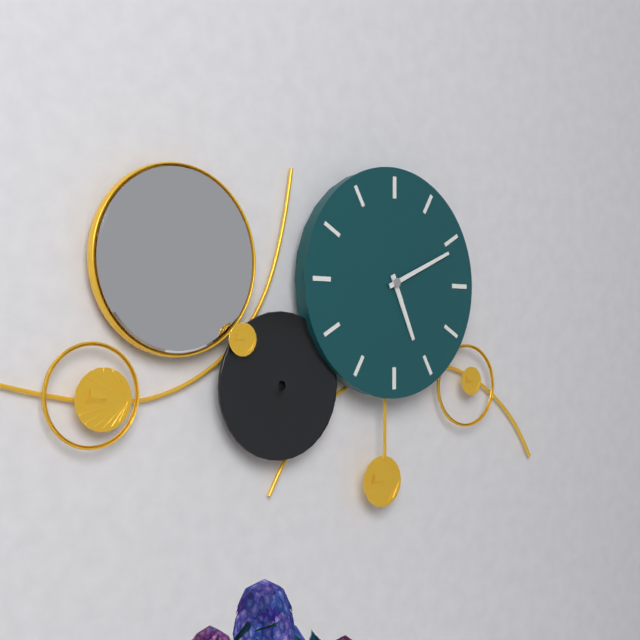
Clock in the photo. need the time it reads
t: 5:11
